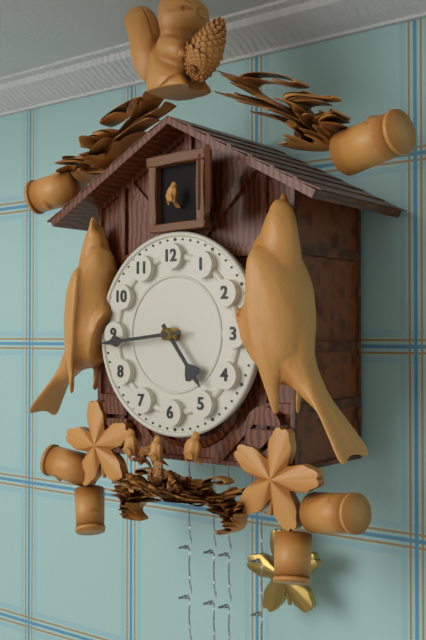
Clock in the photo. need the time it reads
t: 4:44
